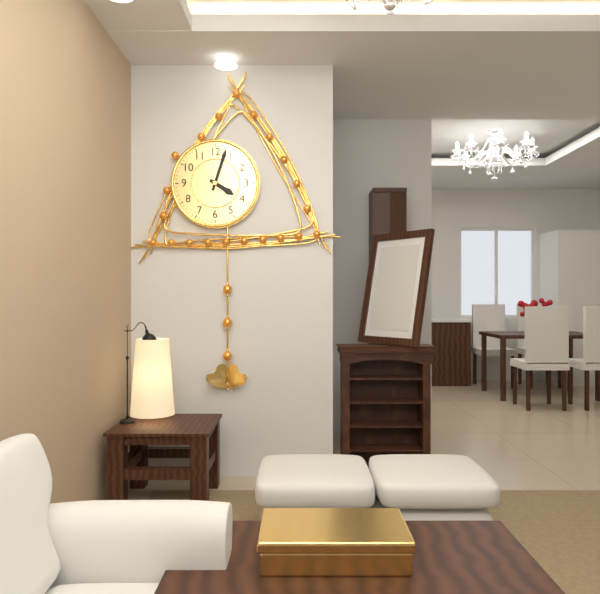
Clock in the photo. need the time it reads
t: 4:03
